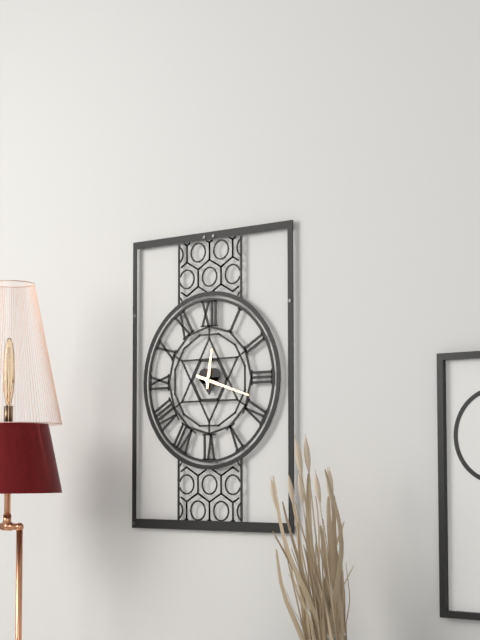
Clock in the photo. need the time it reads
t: 12:18
